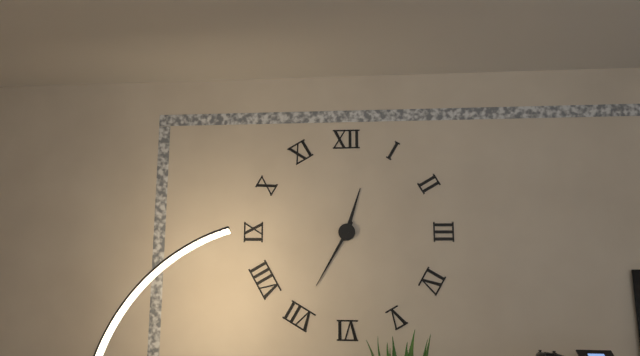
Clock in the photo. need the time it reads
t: 12:35
